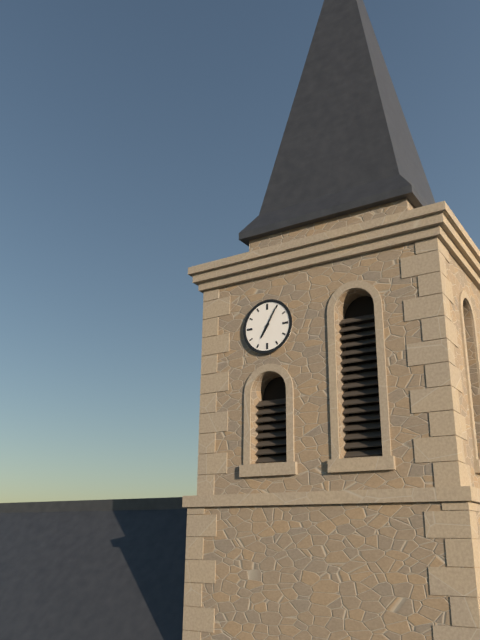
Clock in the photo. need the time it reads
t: 7:05
